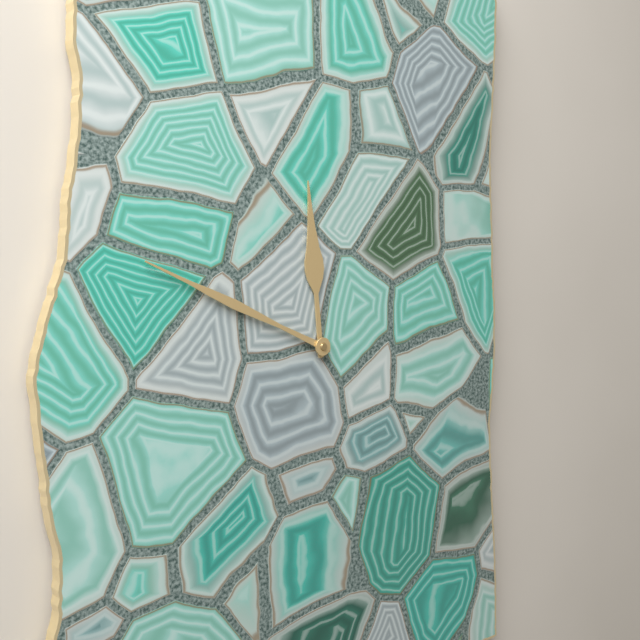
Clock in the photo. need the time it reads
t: 11:49
